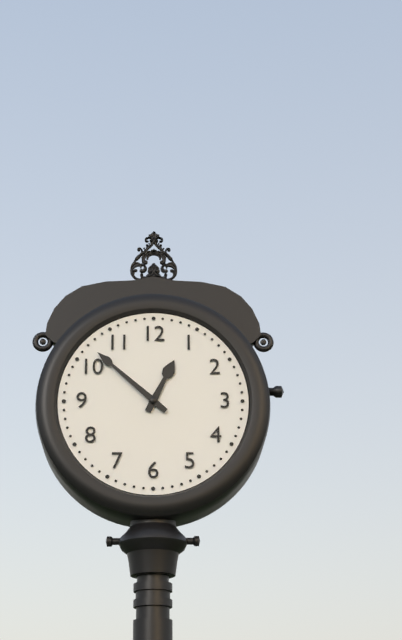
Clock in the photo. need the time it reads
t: 12:52
